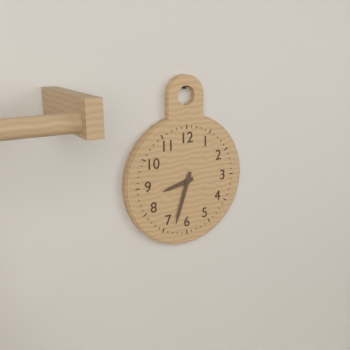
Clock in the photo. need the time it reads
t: 8:33
